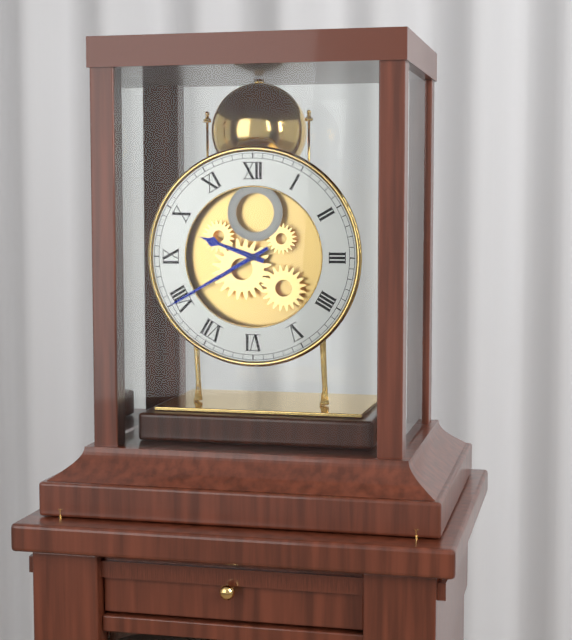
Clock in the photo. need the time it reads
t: 9:40
